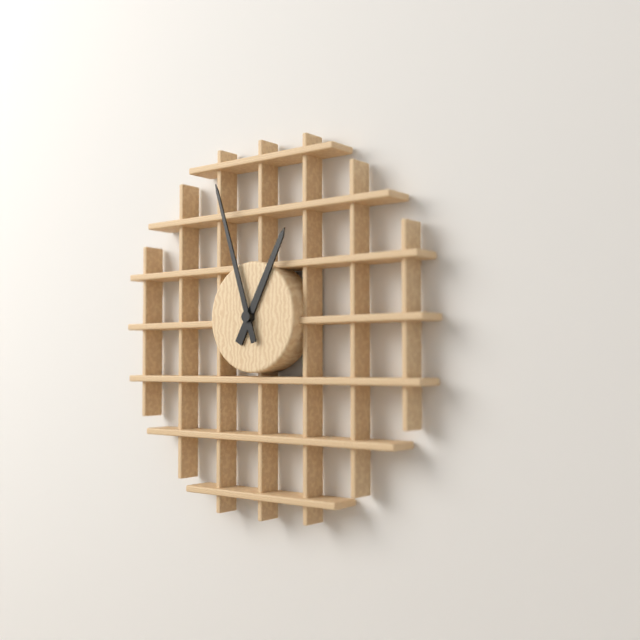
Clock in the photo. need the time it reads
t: 12:57
